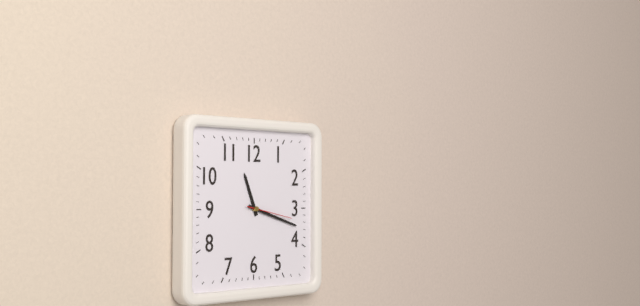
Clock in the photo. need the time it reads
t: 11:18
